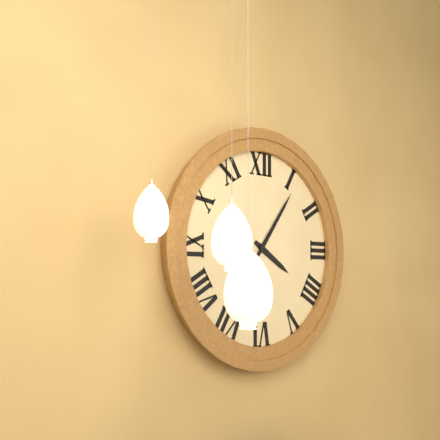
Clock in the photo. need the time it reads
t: 4:06
